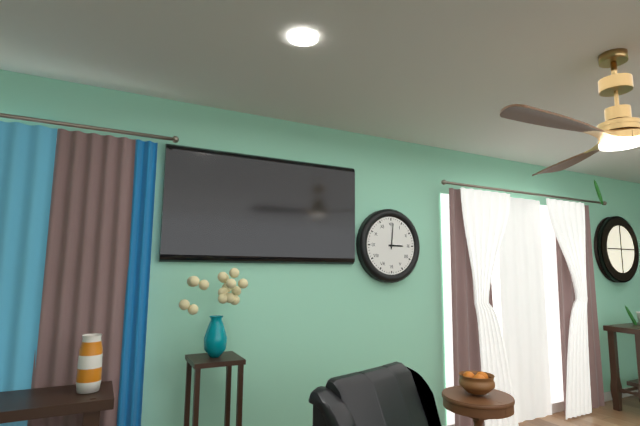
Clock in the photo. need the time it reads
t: 3:01
